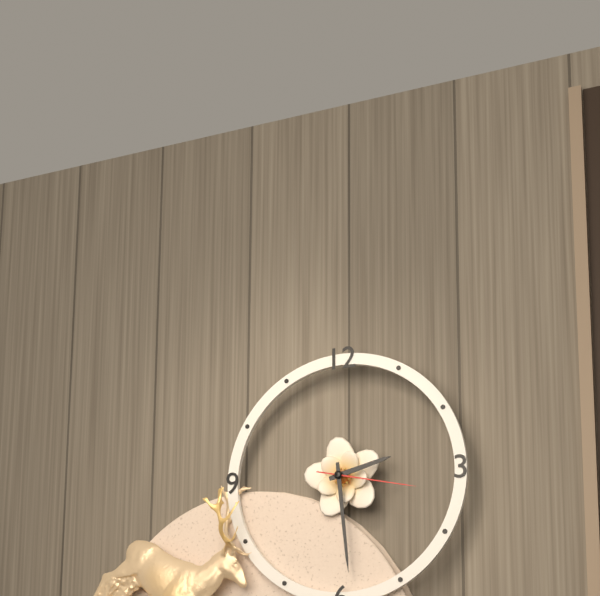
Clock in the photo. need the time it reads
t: 2:29:17
